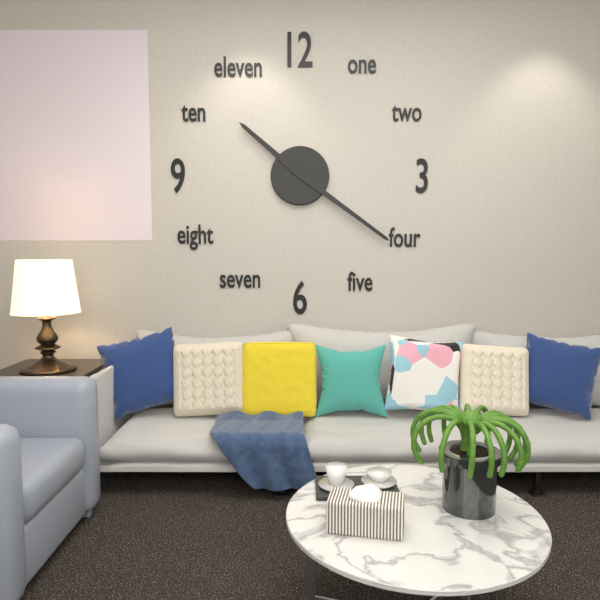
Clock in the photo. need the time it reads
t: 10:21
